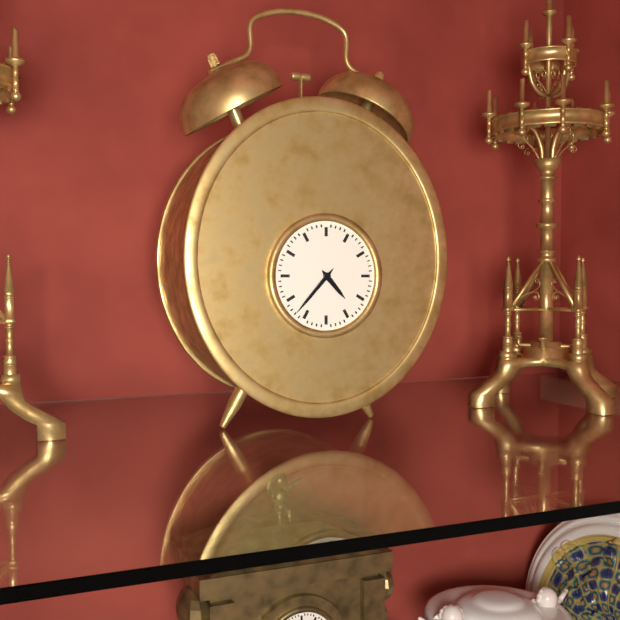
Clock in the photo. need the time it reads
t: 4:37
